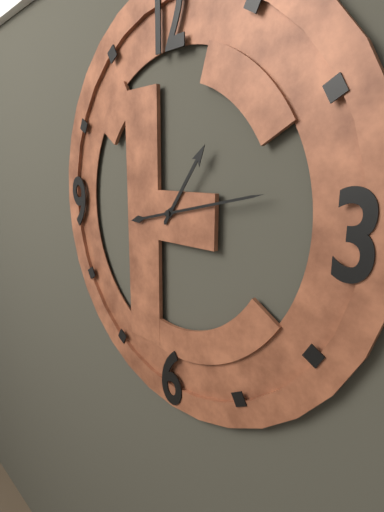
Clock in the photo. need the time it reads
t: 1:13
